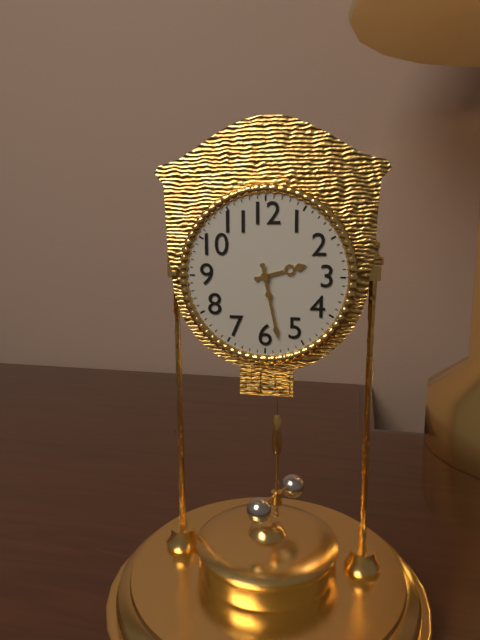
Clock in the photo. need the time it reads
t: 2:28
